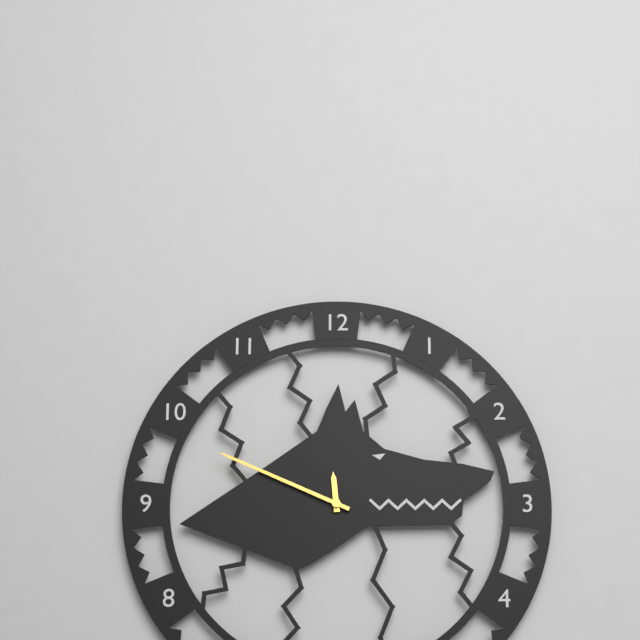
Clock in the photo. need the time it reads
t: 11:49
